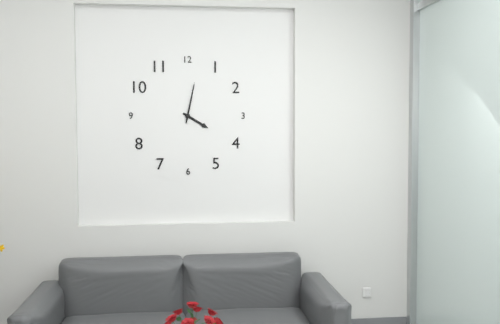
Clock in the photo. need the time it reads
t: 4:02
